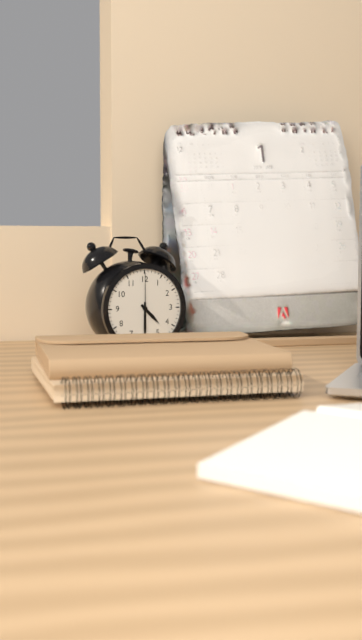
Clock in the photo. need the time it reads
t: 4:30
